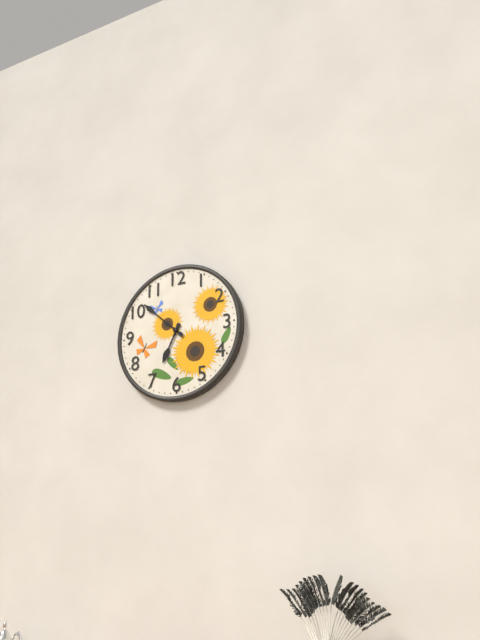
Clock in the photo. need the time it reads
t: 6:52
